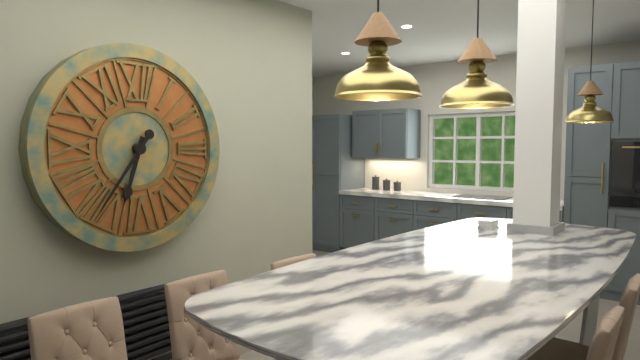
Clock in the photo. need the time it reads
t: 6:36
